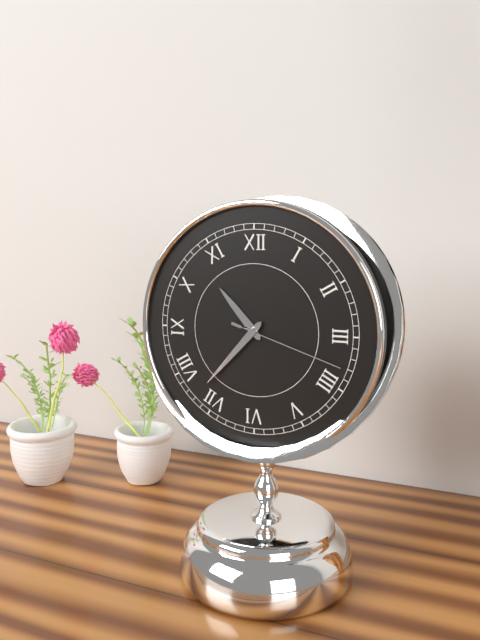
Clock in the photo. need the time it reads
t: 10:37:18
